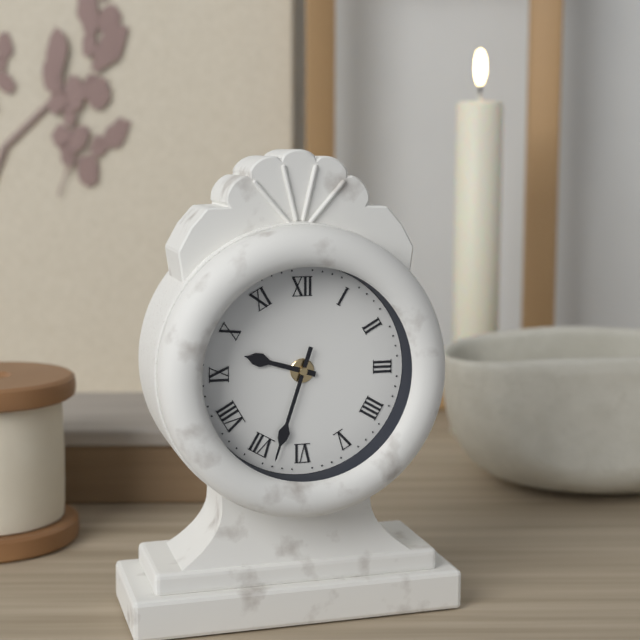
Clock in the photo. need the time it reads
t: 9:33
